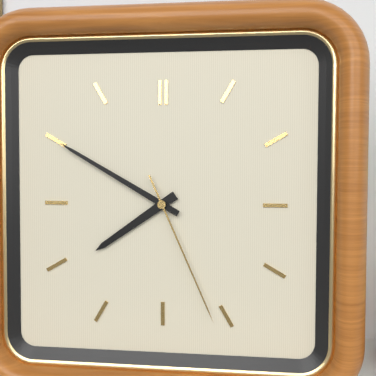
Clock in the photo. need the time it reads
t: 7:50:26
